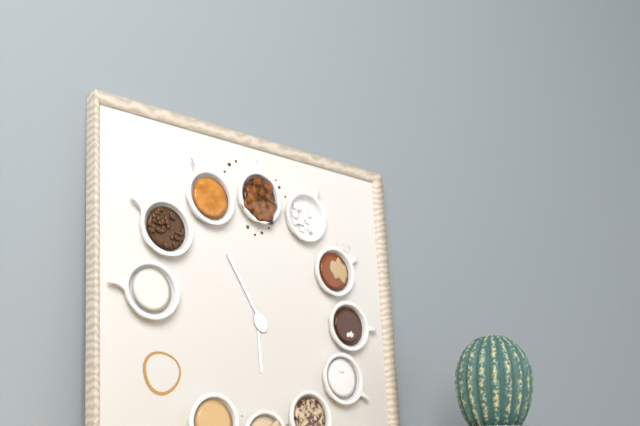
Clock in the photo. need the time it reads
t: 5:55
